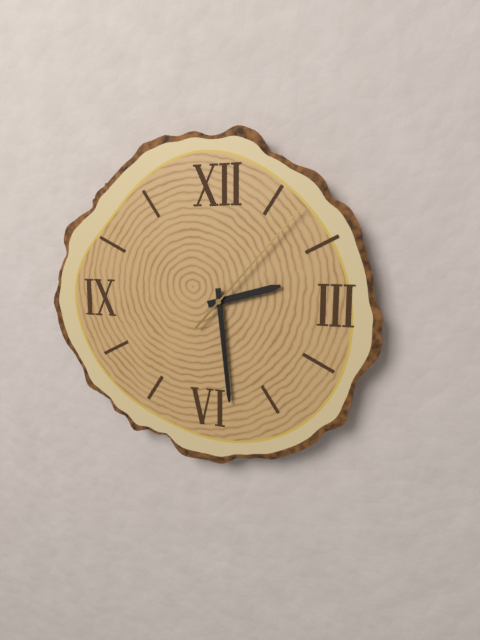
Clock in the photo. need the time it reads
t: 2:29:07
